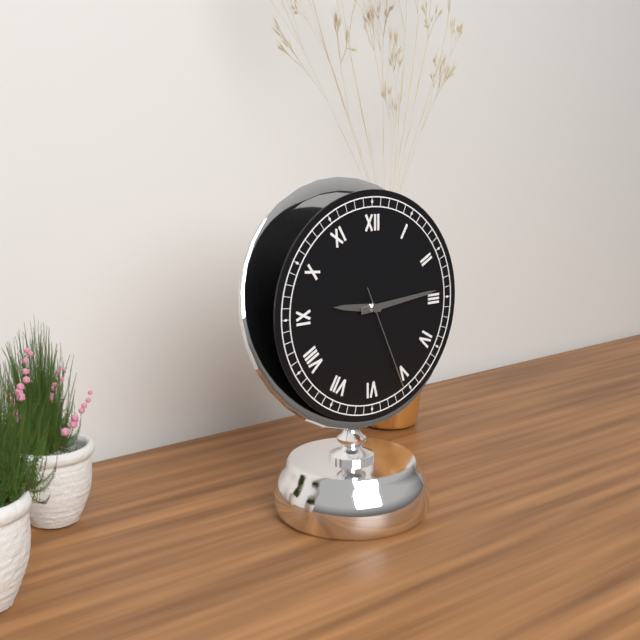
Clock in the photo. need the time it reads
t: 9:14:26
